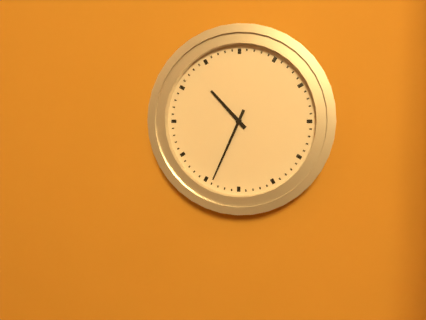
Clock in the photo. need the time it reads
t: 10:34
